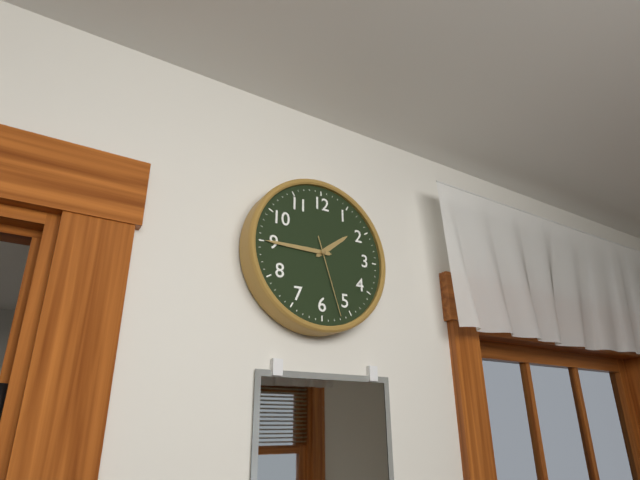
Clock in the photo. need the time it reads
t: 1:45:27
